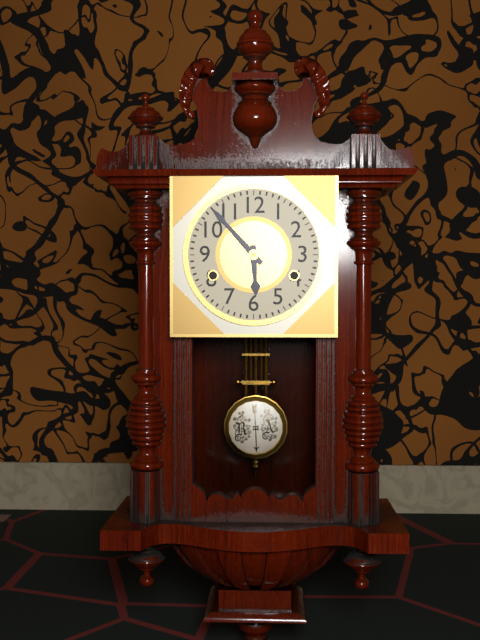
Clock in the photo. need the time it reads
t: 5:53
